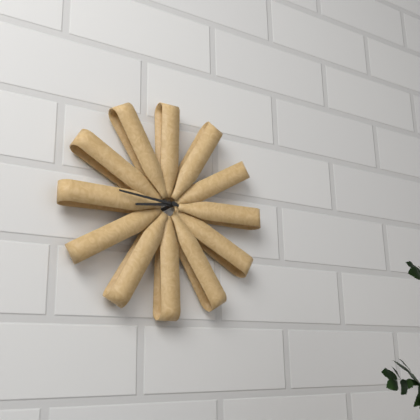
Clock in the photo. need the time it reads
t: 8:46
